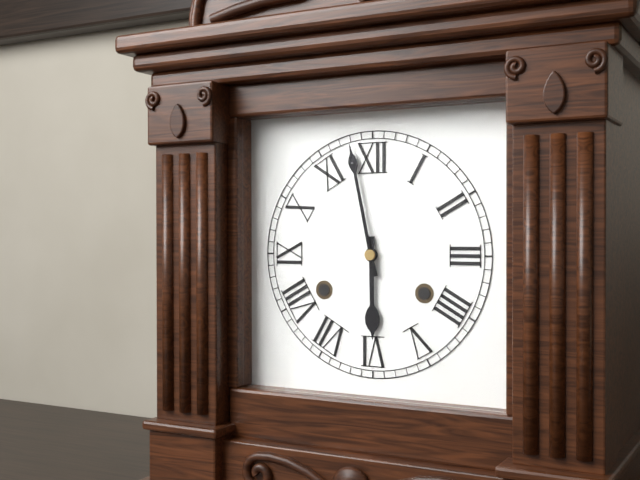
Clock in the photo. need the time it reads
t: 5:58
